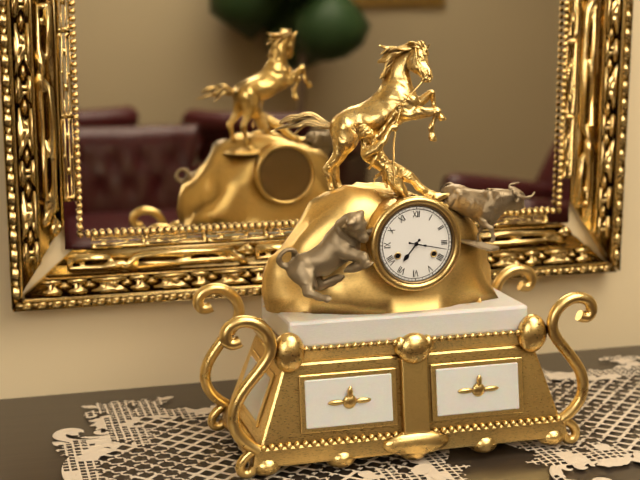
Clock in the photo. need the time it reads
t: 7:17
